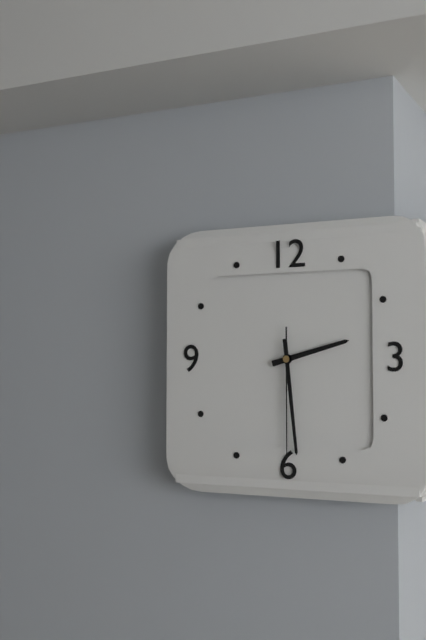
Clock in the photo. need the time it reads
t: 2:29:30
